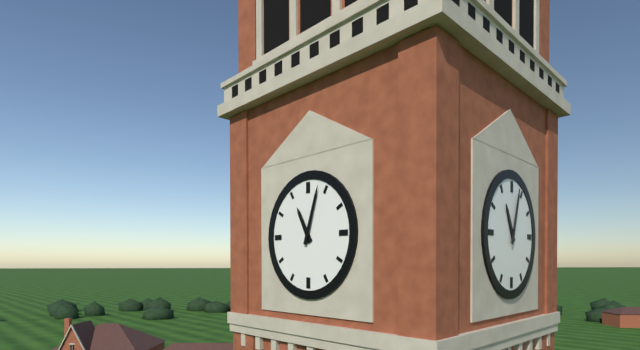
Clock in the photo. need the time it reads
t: 11:03
